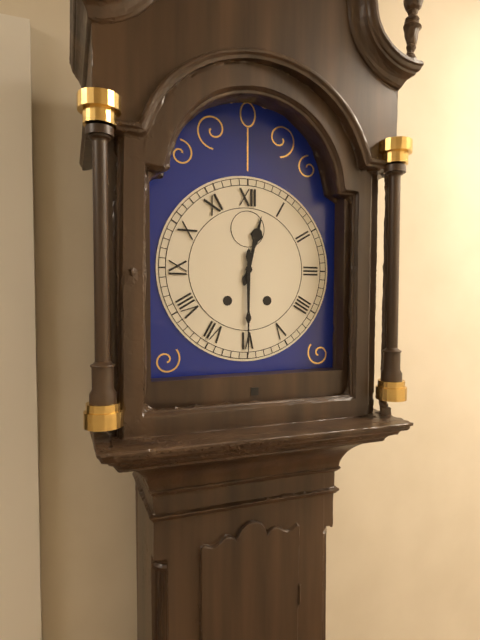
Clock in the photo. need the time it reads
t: 12:30
